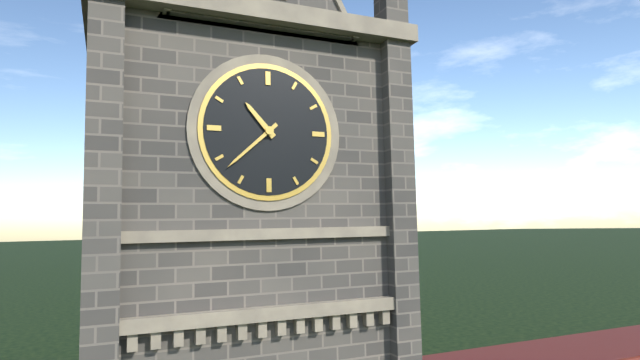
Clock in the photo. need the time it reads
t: 10:38
